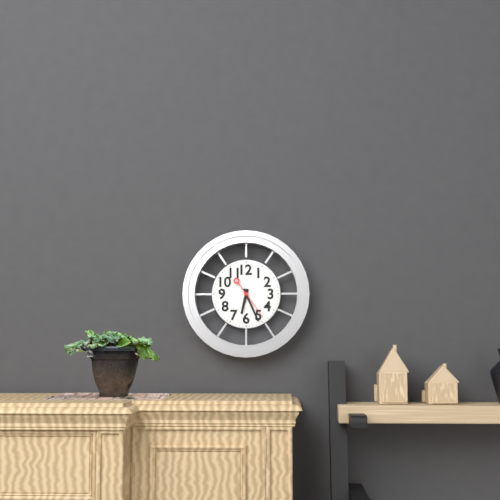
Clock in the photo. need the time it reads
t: 6:26
